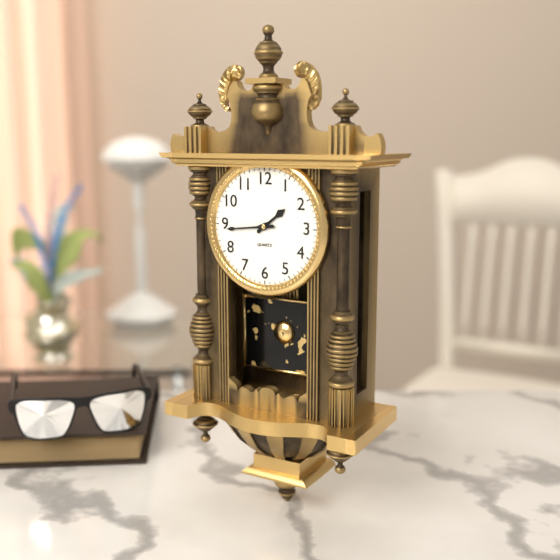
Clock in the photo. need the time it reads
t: 1:44
